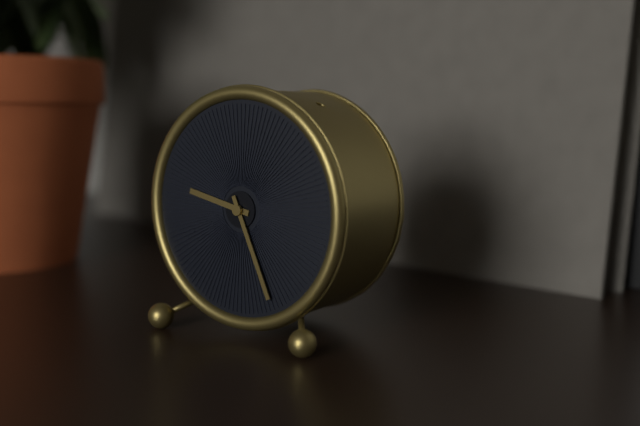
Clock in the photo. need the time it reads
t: 9:26
